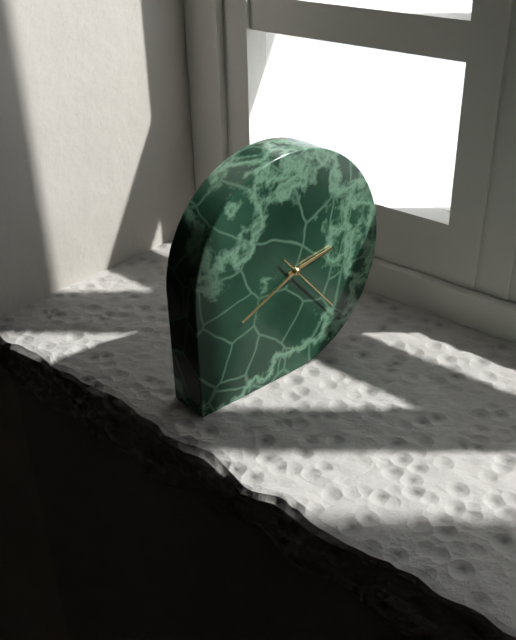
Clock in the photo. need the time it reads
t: 2:41:23
